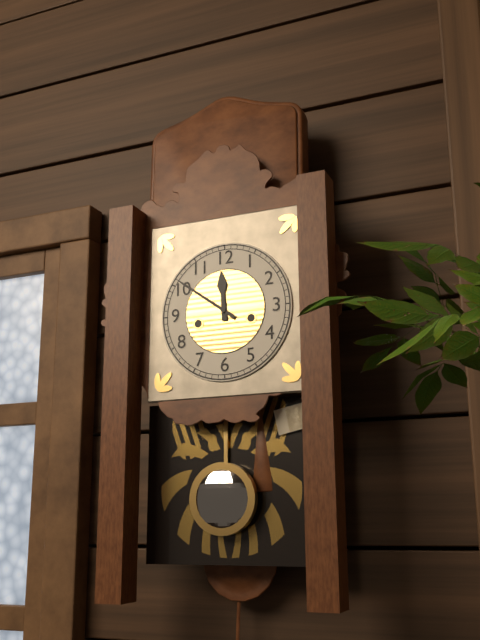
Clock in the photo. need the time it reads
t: 11:51
